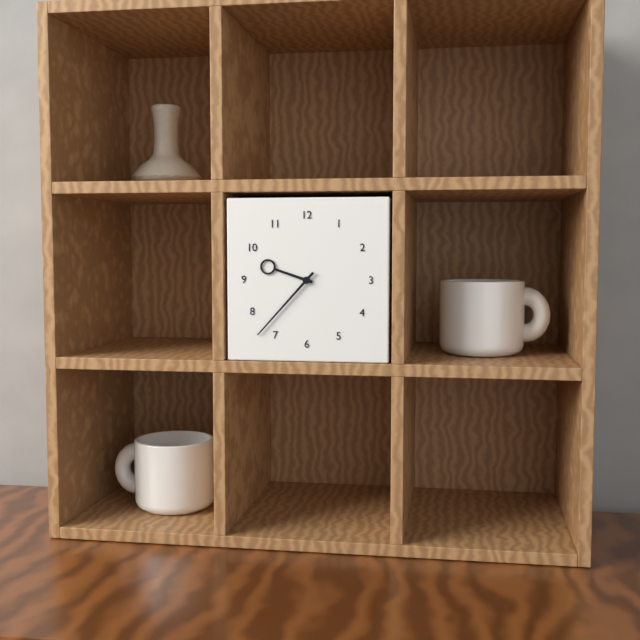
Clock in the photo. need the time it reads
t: 9:37
